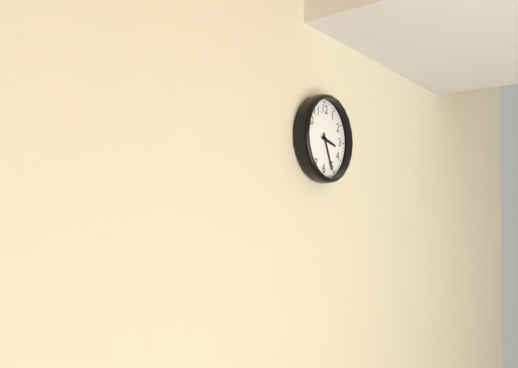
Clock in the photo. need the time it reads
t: 3:26
